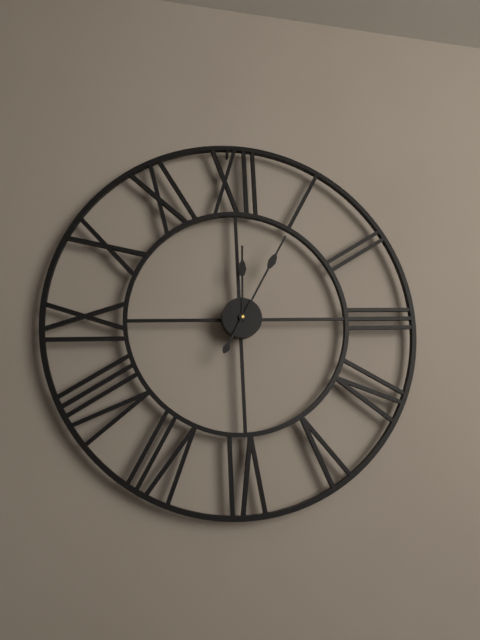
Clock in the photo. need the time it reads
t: 12:05
